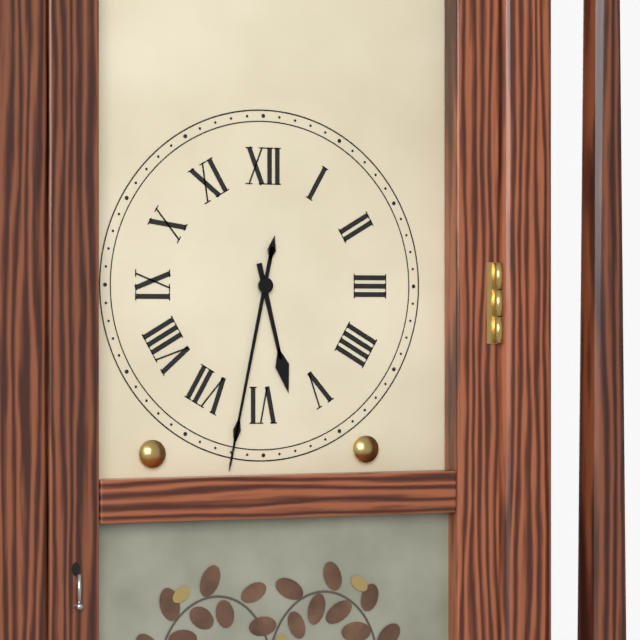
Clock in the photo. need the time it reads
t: 5:32
